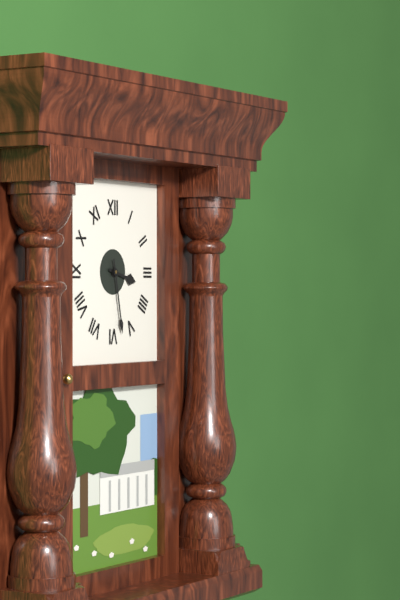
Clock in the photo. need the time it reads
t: 3:28
